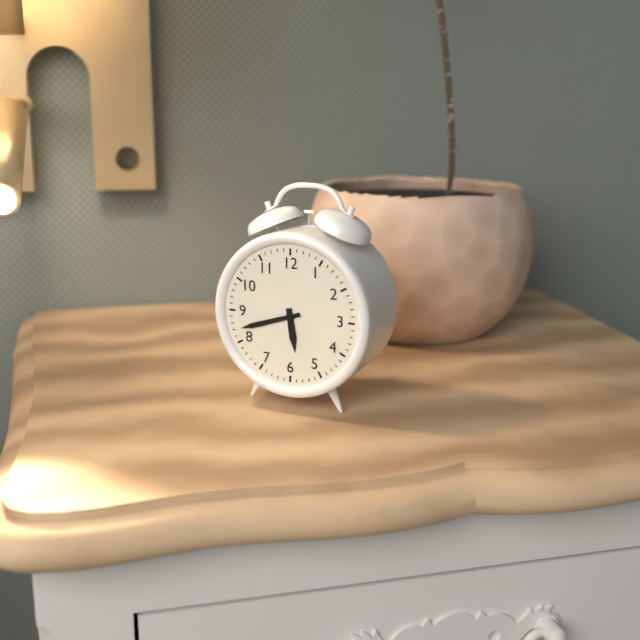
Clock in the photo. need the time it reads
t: 5:42
